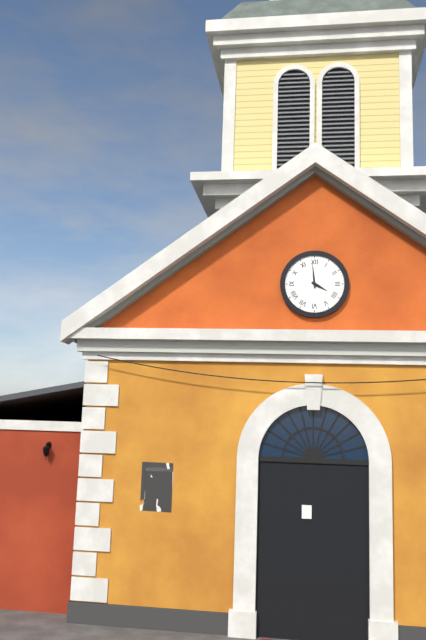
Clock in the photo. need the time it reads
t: 3:59
